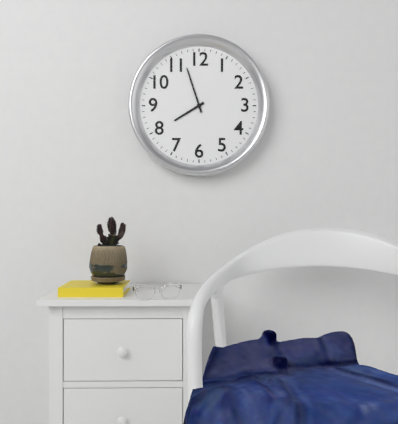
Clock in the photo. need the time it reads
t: 7:57
